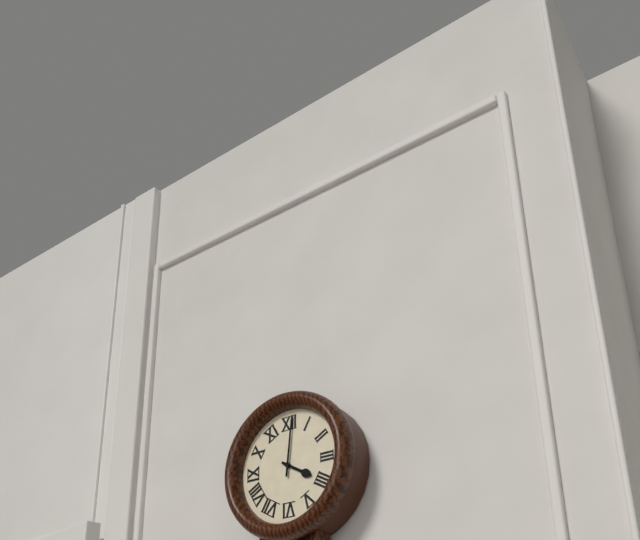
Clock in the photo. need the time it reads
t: 4:01
